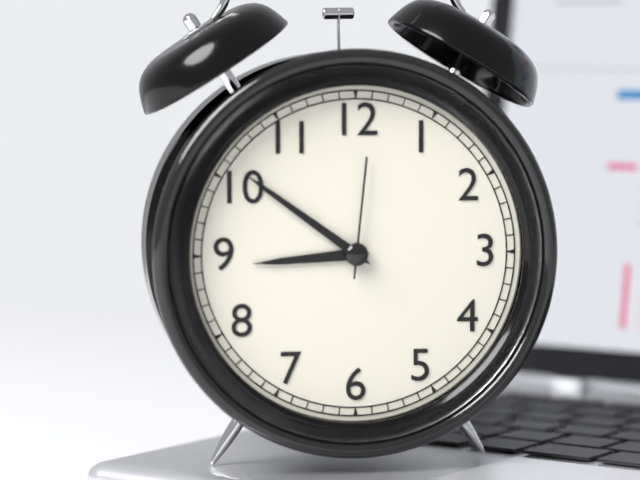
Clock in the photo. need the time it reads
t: 8:51:01
